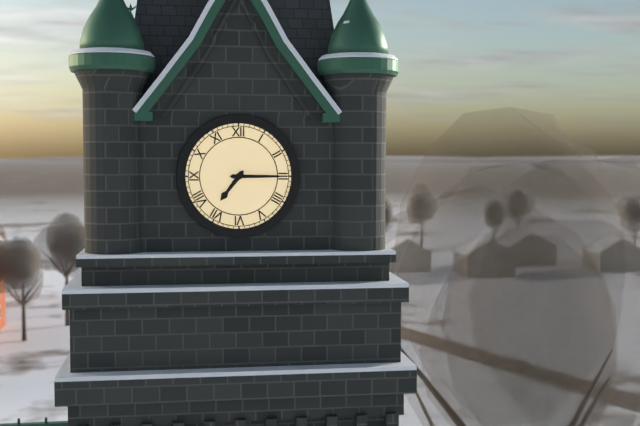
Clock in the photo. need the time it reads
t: 7:15
